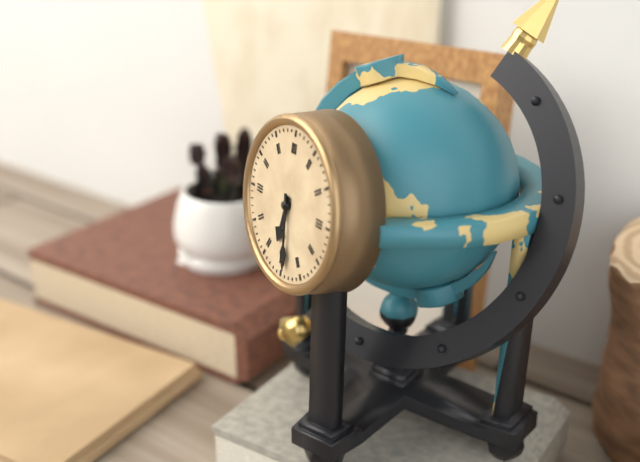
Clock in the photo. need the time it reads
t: 6:29
